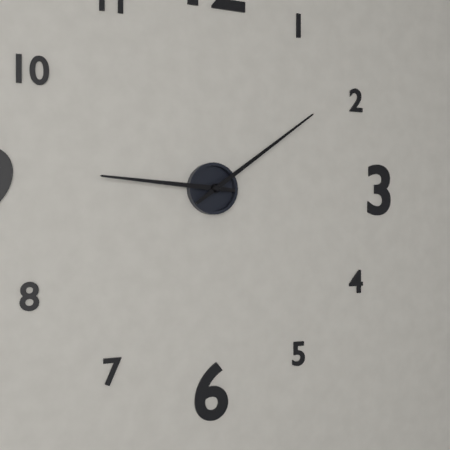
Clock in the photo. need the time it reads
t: 9:09
